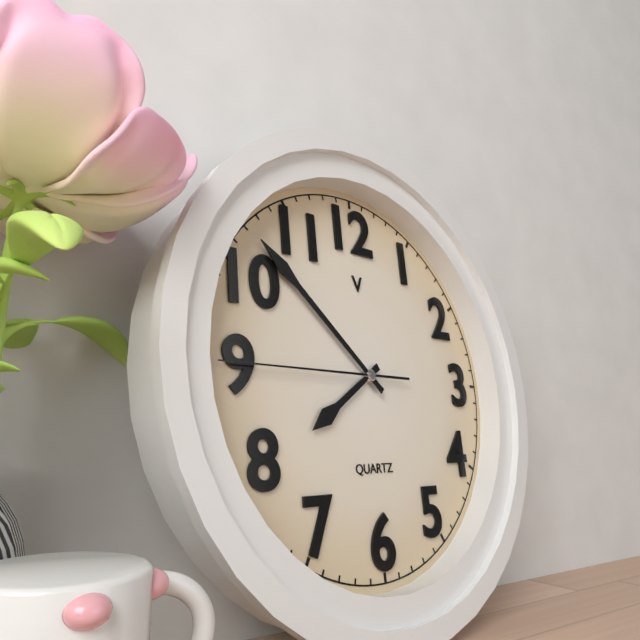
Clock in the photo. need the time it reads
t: 7:52:45
